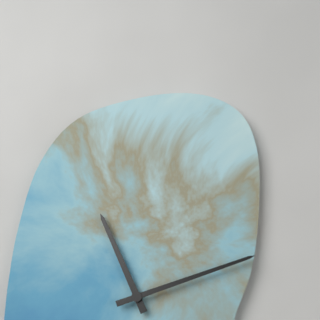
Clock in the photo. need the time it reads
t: 11:12
